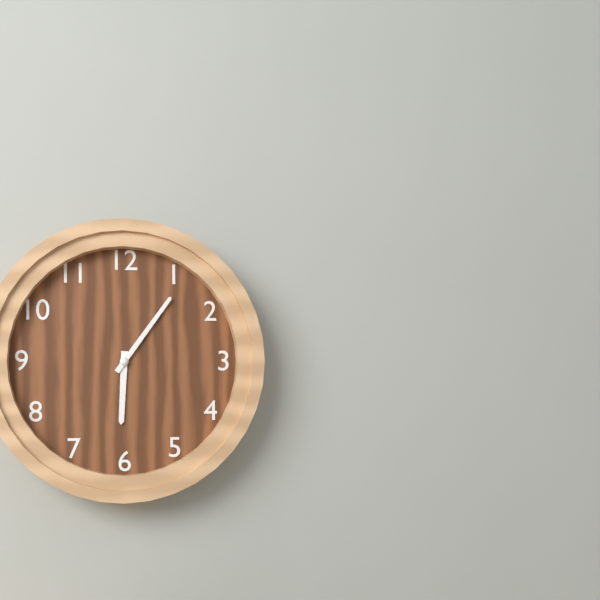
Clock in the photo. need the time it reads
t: 6:06
